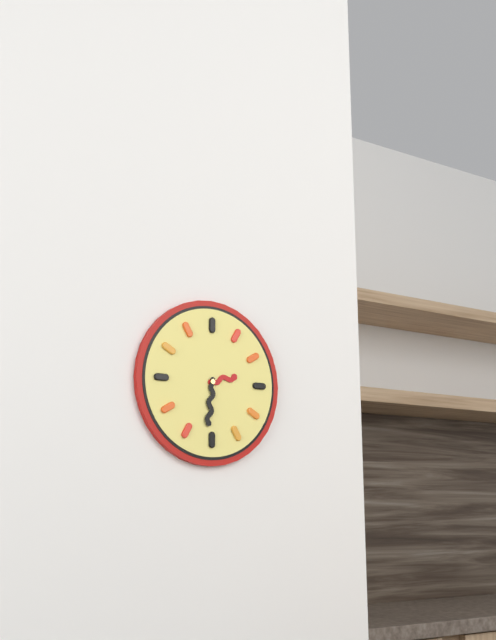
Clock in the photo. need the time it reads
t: 2:31
